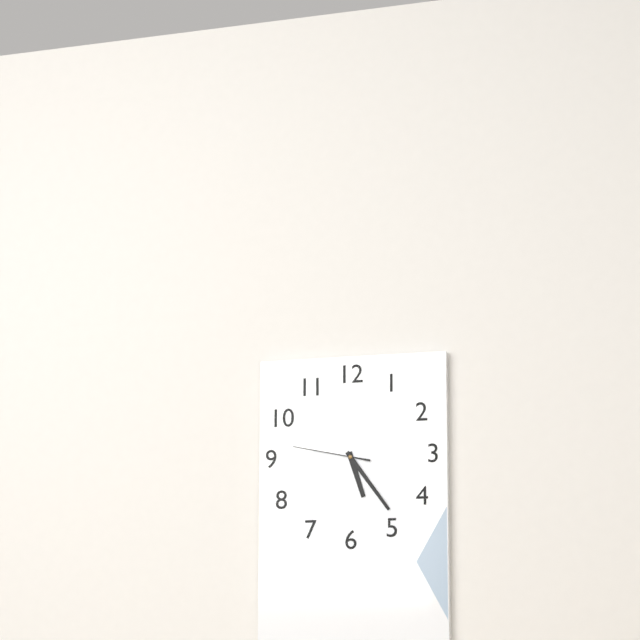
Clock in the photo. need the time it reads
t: 5:24:47
